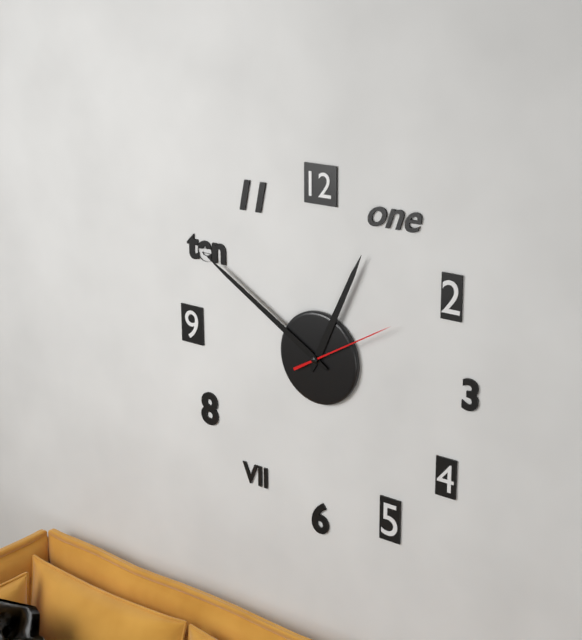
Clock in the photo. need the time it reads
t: 12:50:10
